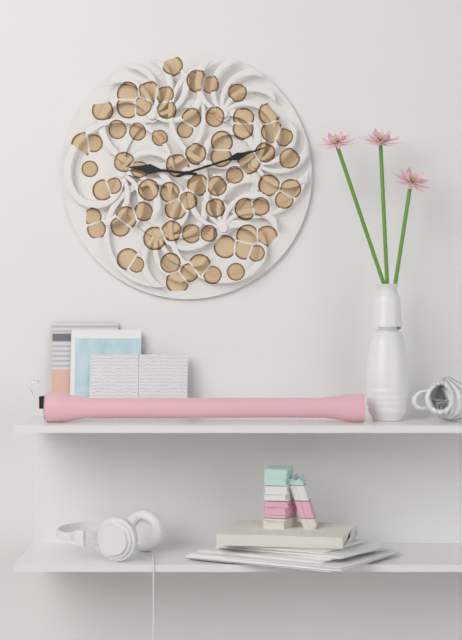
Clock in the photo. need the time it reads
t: 9:12
